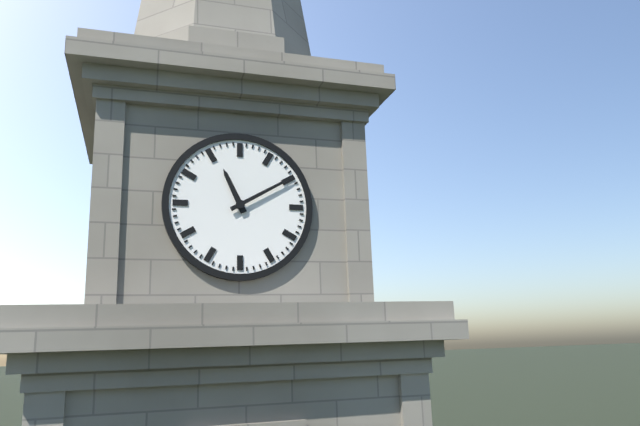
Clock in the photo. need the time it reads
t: 11:10
